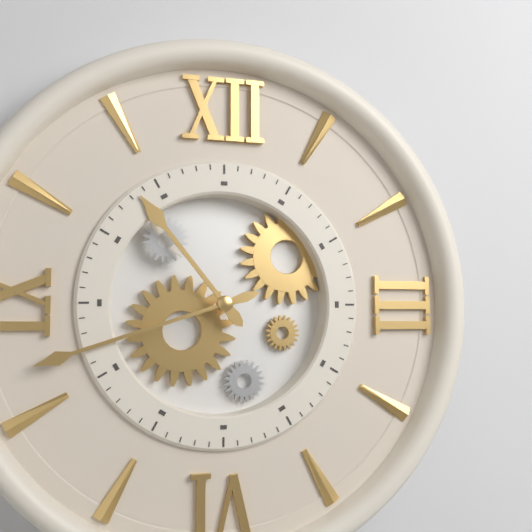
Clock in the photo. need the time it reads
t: 10:42
